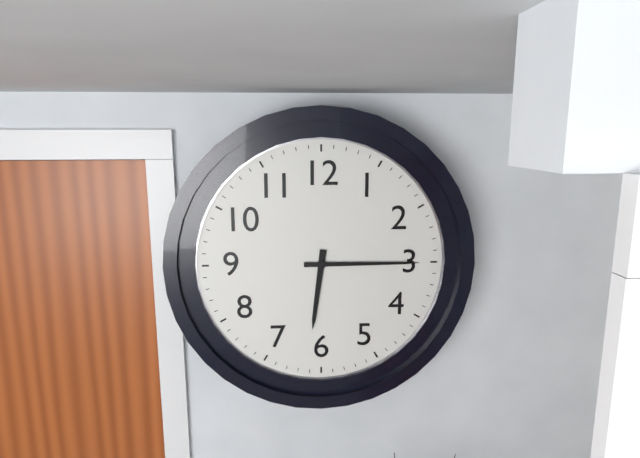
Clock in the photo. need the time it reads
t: 6:15
